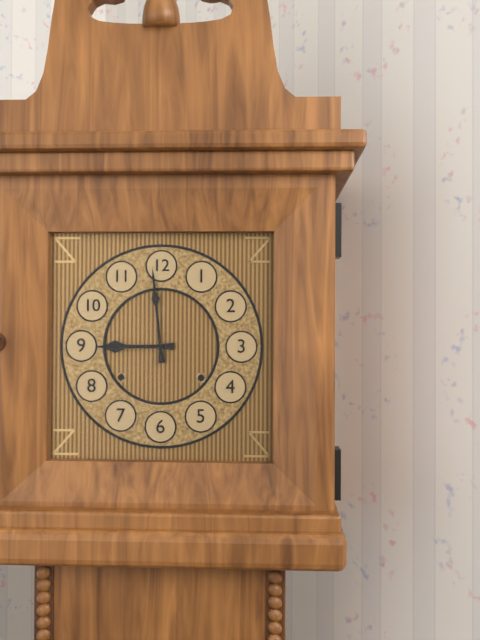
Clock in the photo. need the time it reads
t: 8:59
